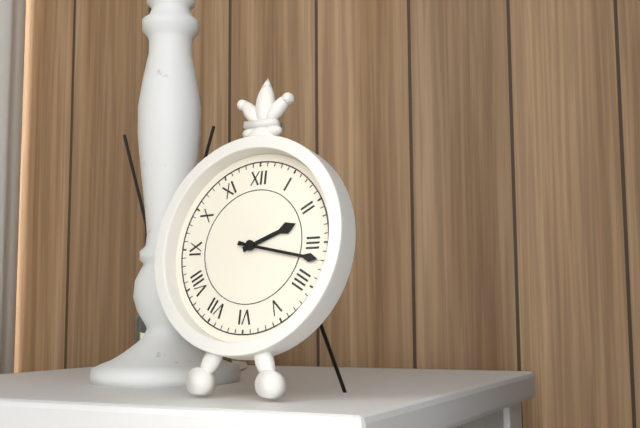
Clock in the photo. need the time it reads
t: 2:17
